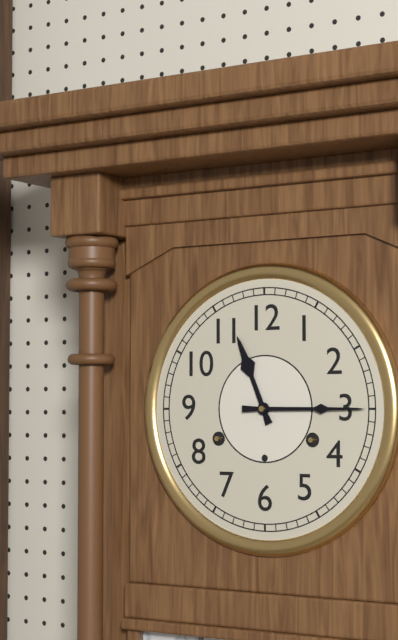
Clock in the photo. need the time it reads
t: 11:15
